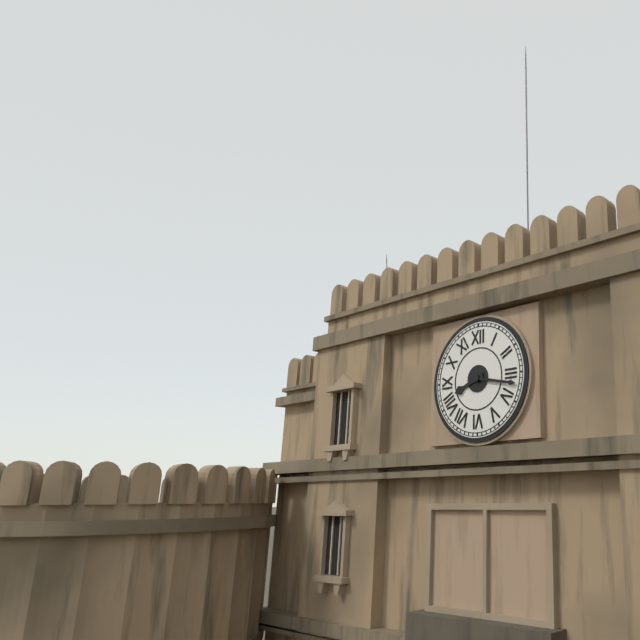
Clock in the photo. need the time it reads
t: 8:17
